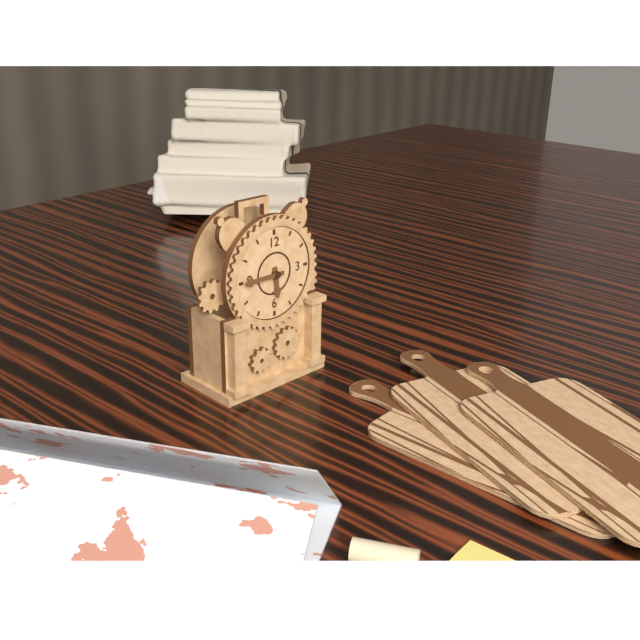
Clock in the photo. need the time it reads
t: 5:45
